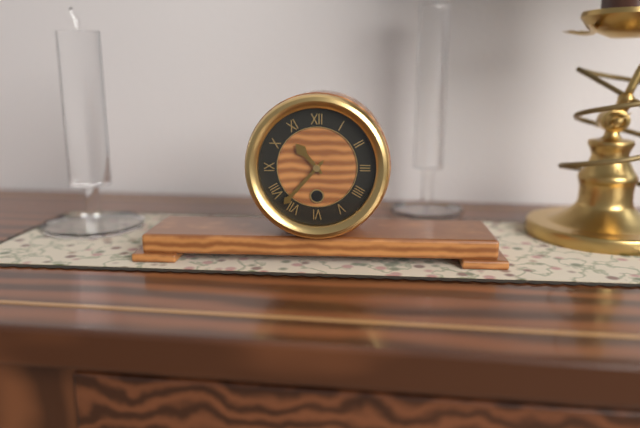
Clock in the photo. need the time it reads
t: 10:37
